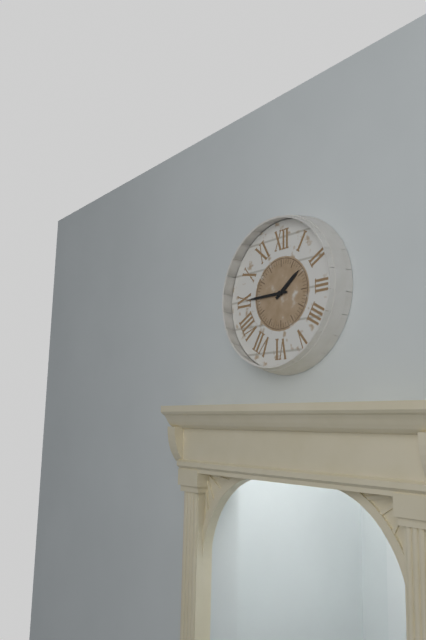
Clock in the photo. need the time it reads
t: 1:45
